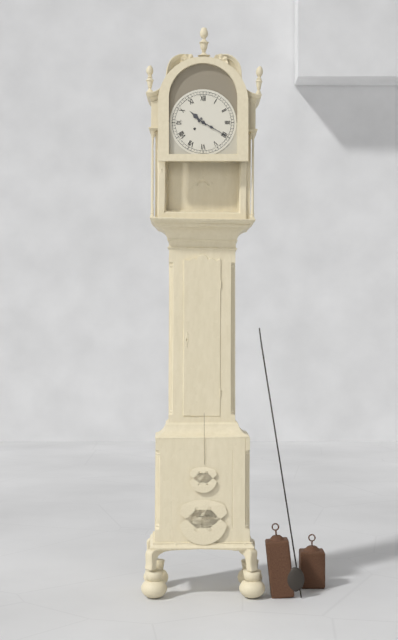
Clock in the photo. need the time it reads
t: 10:20
